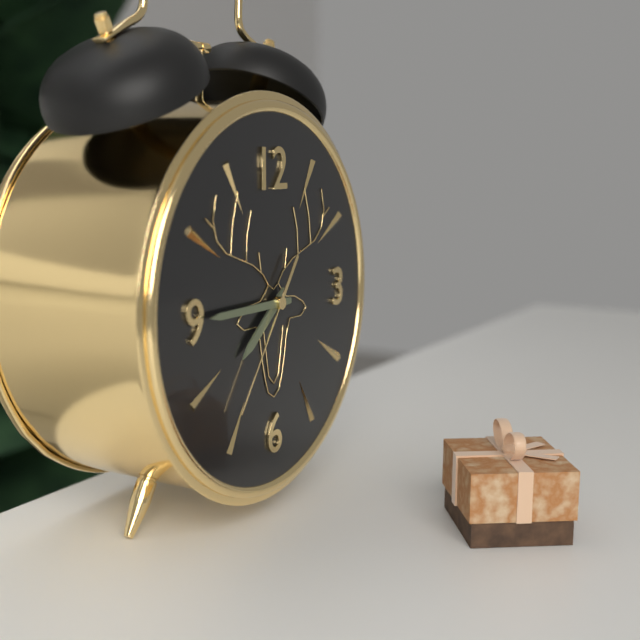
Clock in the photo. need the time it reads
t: 7:45:36
